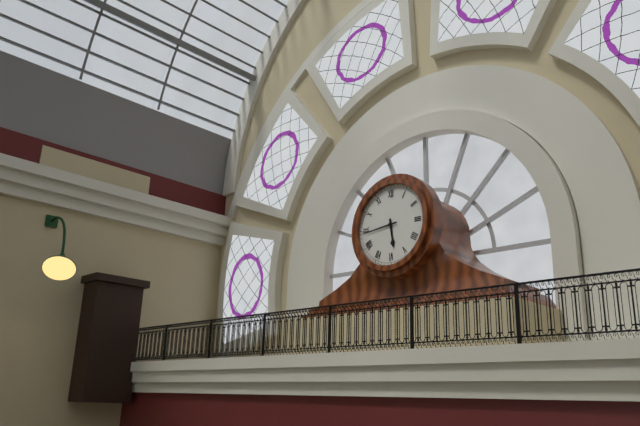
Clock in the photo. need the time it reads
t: 5:44
